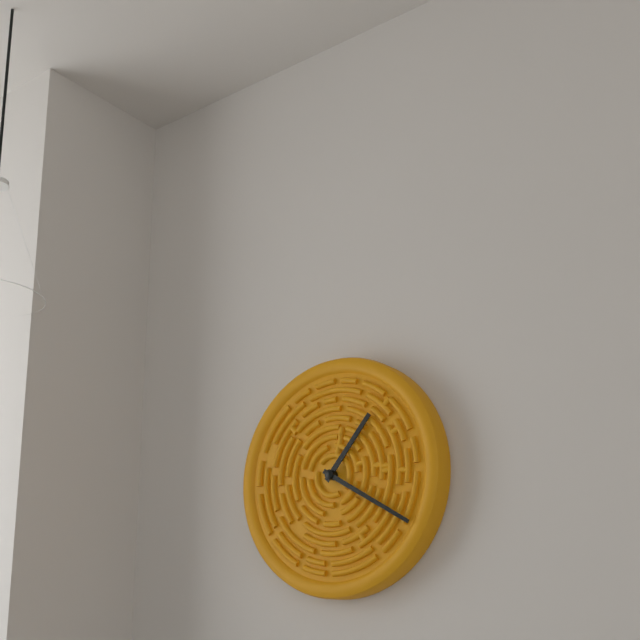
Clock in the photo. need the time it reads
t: 1:20
